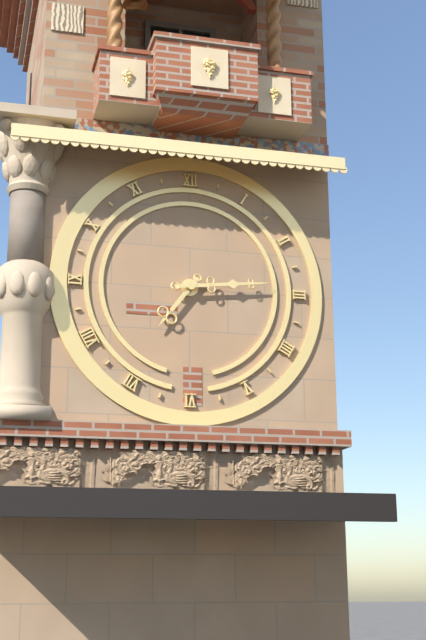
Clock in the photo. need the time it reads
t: 7:14
